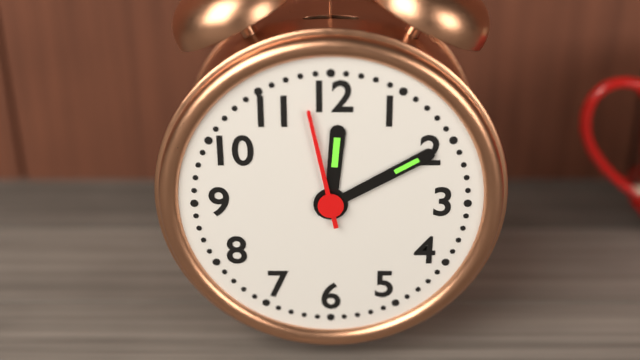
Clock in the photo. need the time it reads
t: 12:10:58
